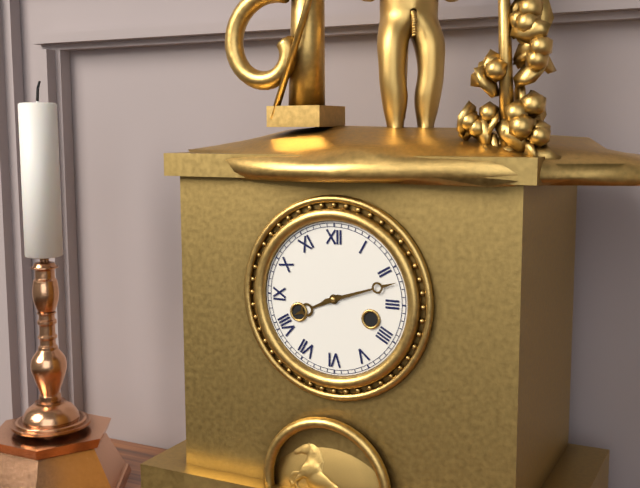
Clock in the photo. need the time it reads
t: 8:12
